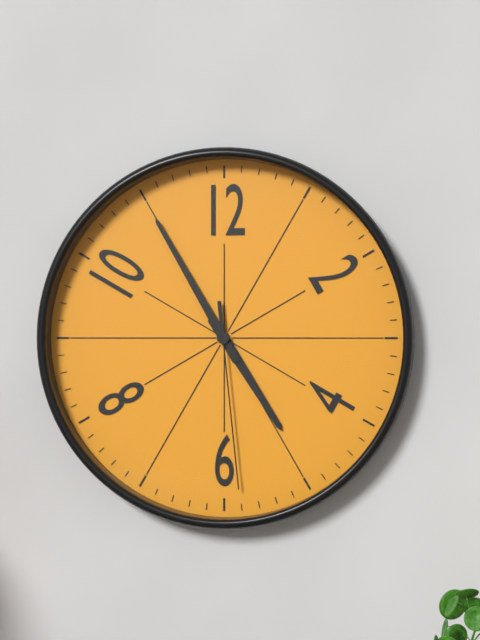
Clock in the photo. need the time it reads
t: 4:55:29
